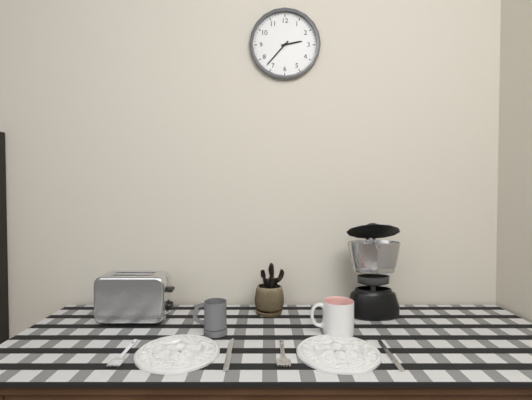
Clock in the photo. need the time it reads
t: 2:37
